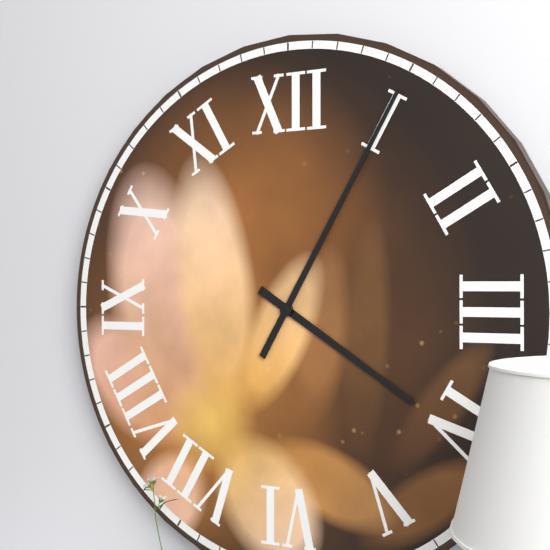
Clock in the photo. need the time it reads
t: 4:05
